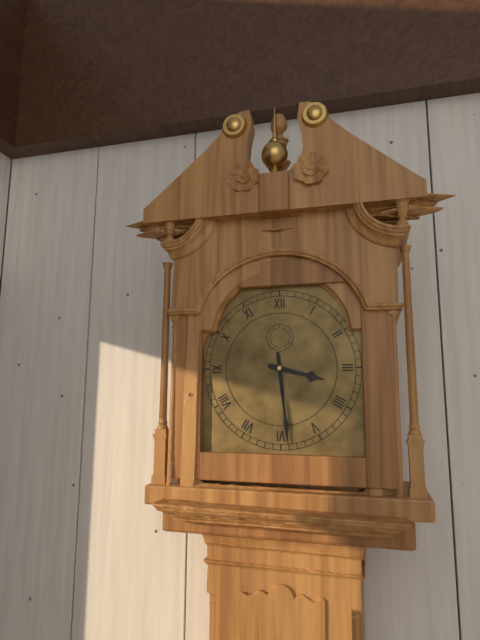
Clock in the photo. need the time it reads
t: 3:29
